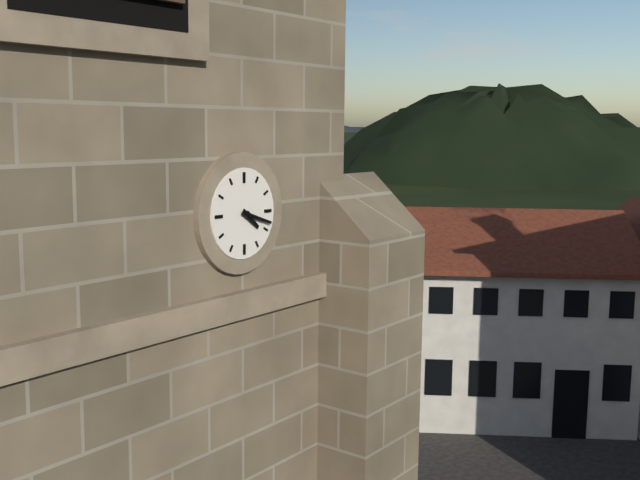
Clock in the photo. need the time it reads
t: 4:18
